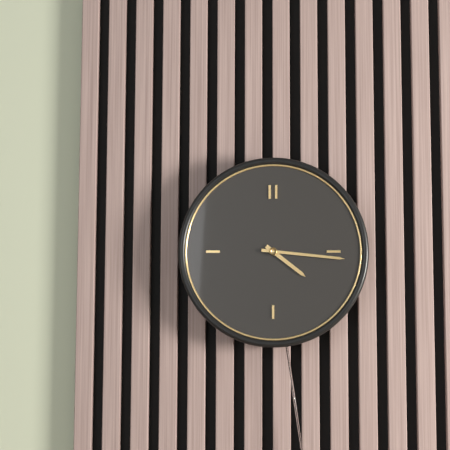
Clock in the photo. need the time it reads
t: 4:16
